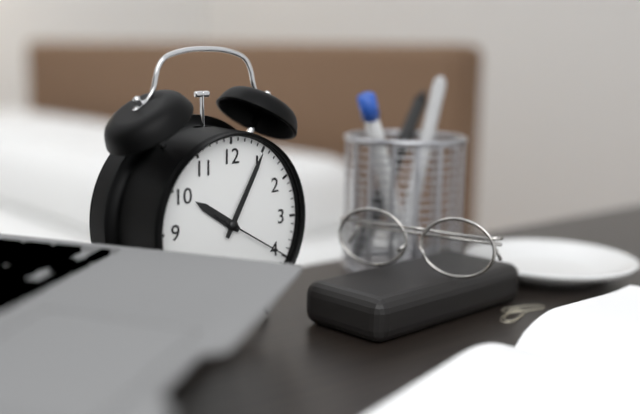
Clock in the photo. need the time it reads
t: 10:05:20
